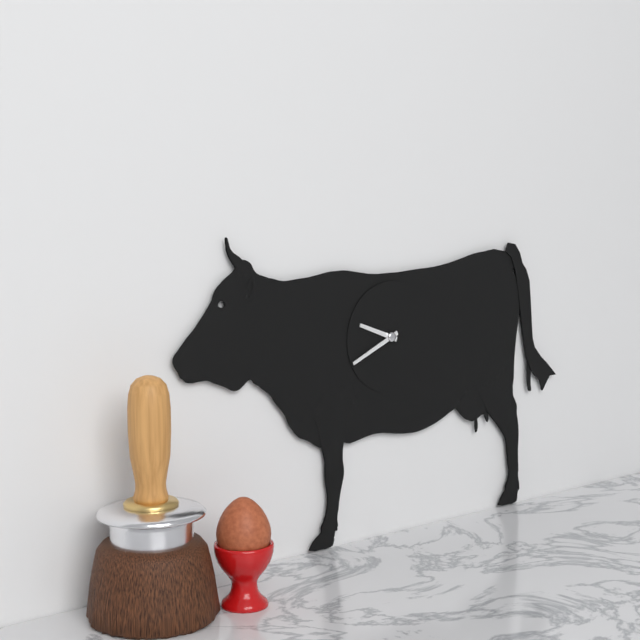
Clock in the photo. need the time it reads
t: 9:41
